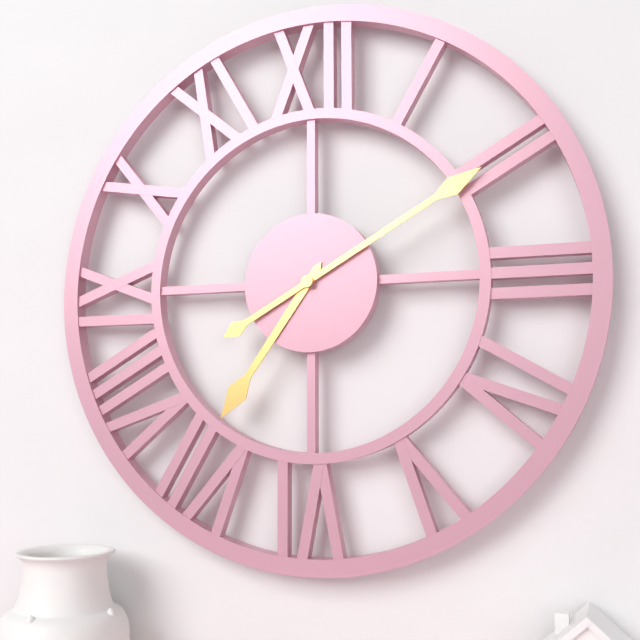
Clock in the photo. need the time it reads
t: 7:10
